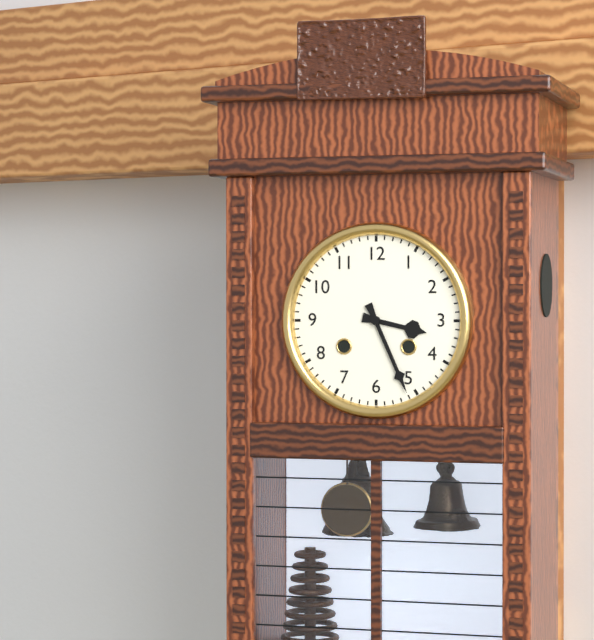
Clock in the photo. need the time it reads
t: 3:26
